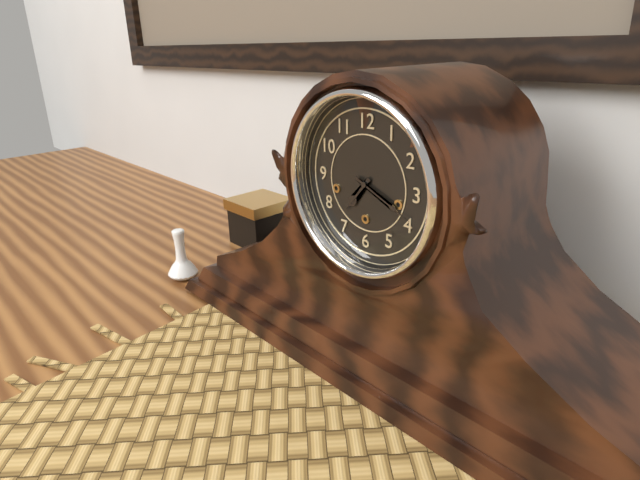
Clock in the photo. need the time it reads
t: 7:19
